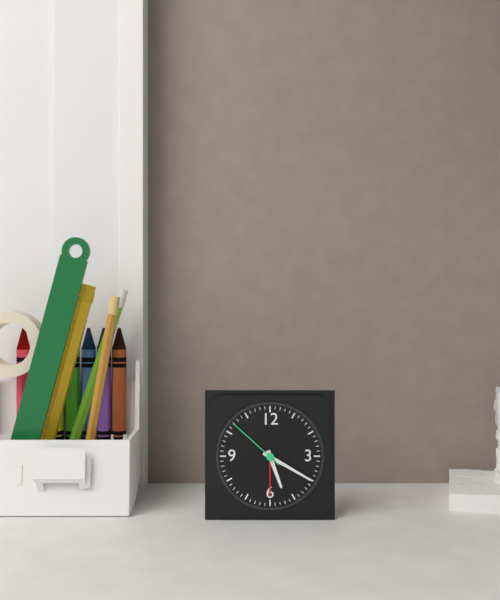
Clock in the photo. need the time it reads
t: 5:20:52
